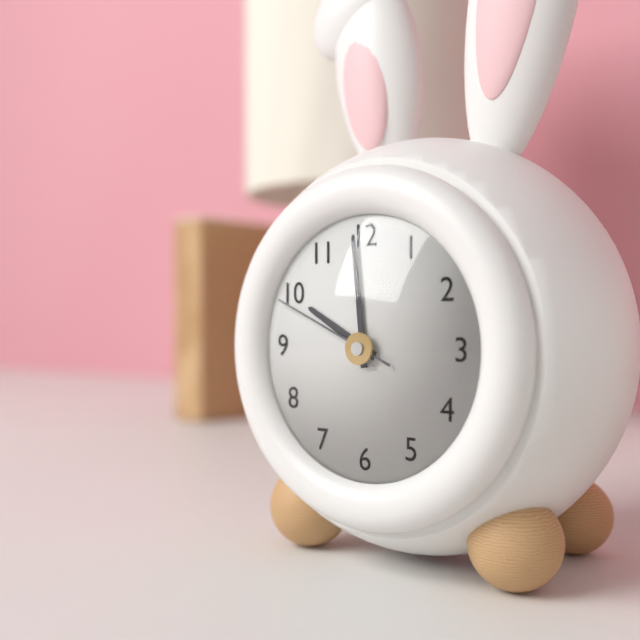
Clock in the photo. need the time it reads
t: 9:59:49
